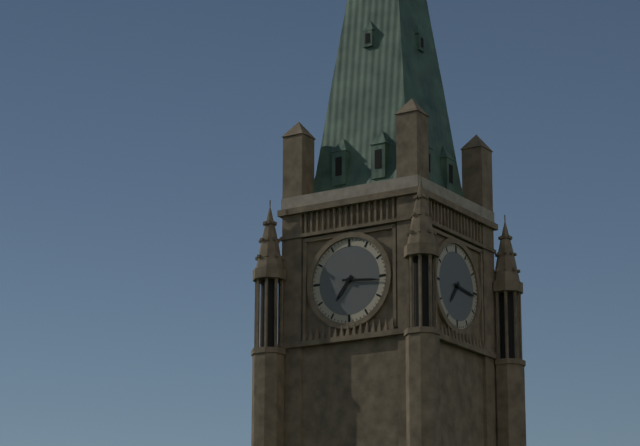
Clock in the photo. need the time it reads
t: 7:16
